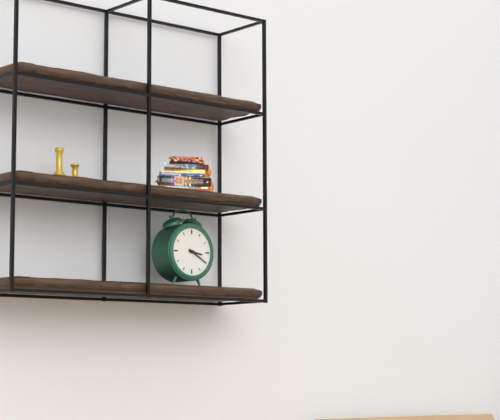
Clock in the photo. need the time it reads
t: 3:20
